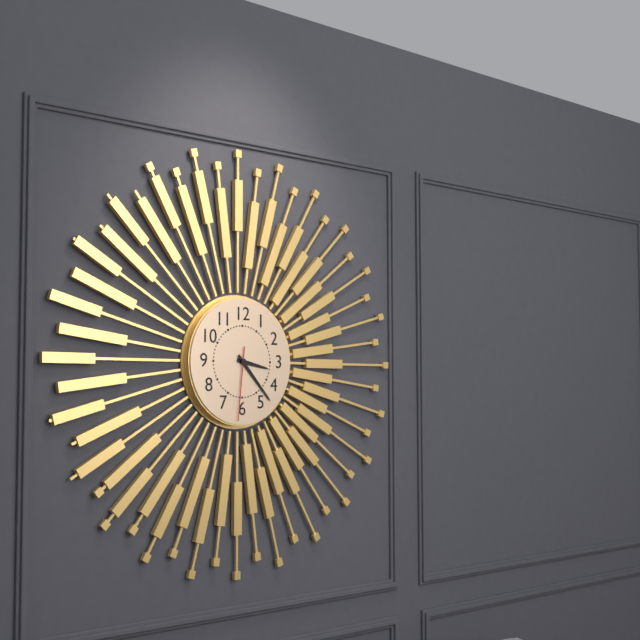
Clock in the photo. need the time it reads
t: 3:23:31
